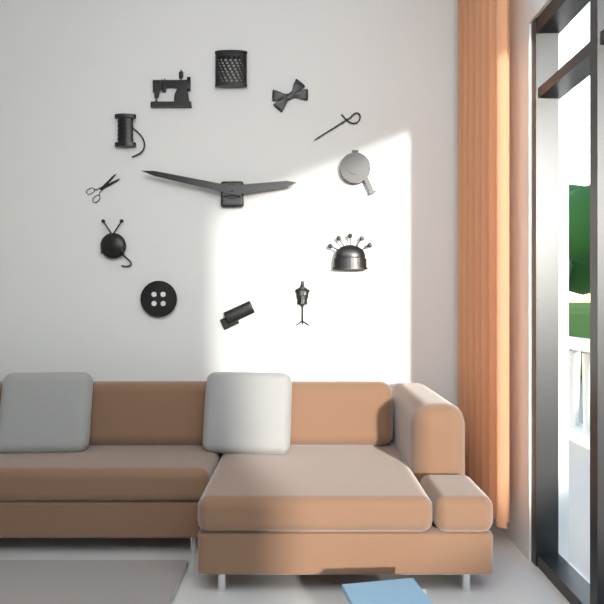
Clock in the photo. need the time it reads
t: 2:47
